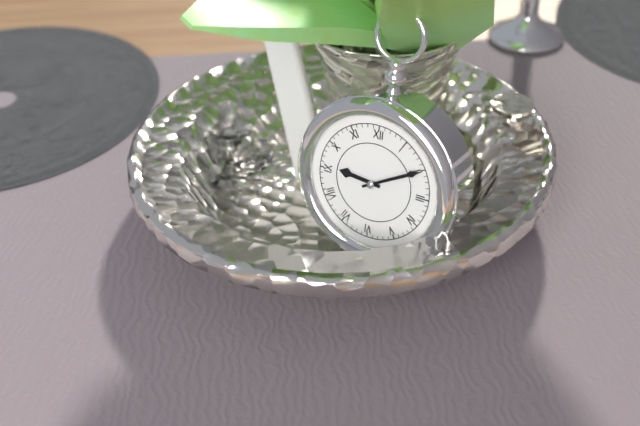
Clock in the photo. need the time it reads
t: 9:10
